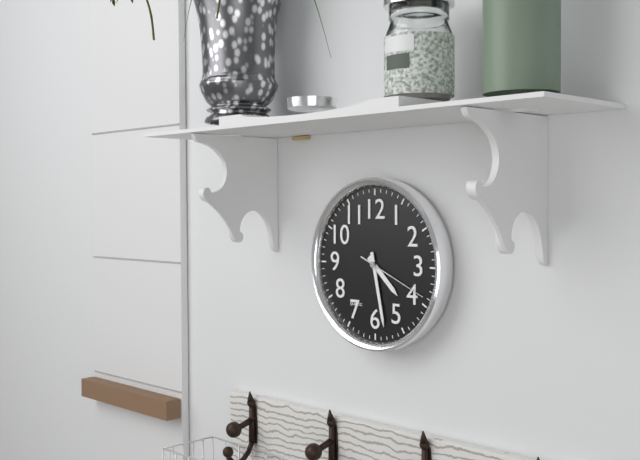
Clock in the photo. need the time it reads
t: 4:28:19
